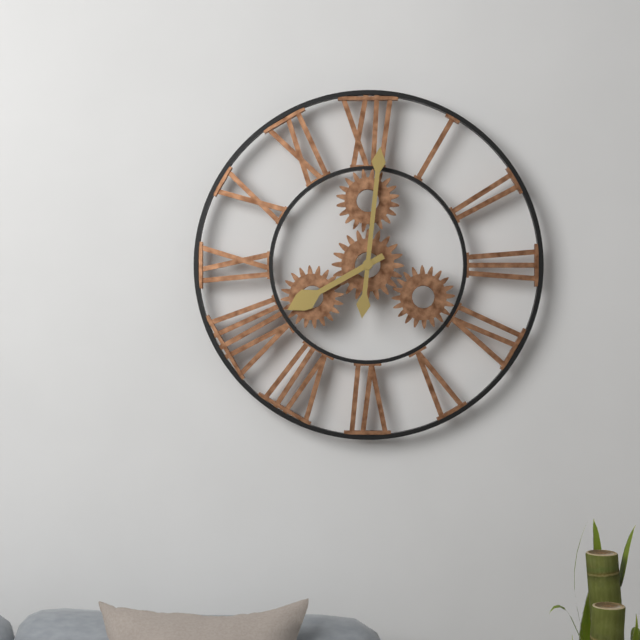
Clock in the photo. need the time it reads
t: 8:01
